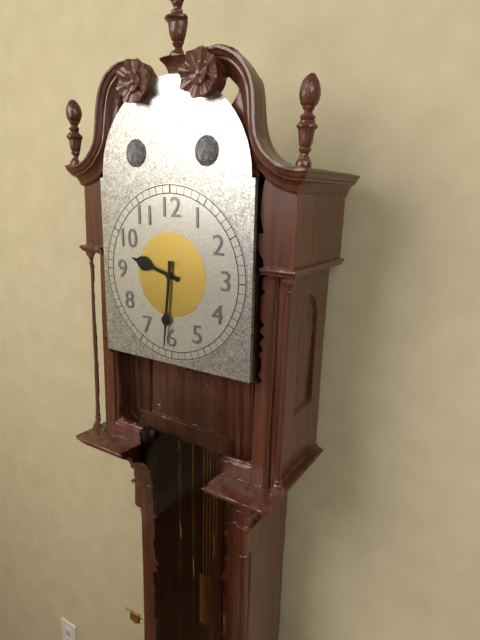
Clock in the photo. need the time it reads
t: 9:31
